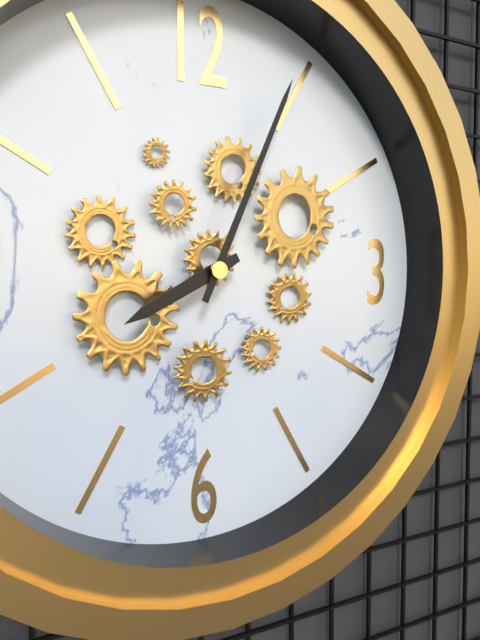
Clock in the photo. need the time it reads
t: 8:04
